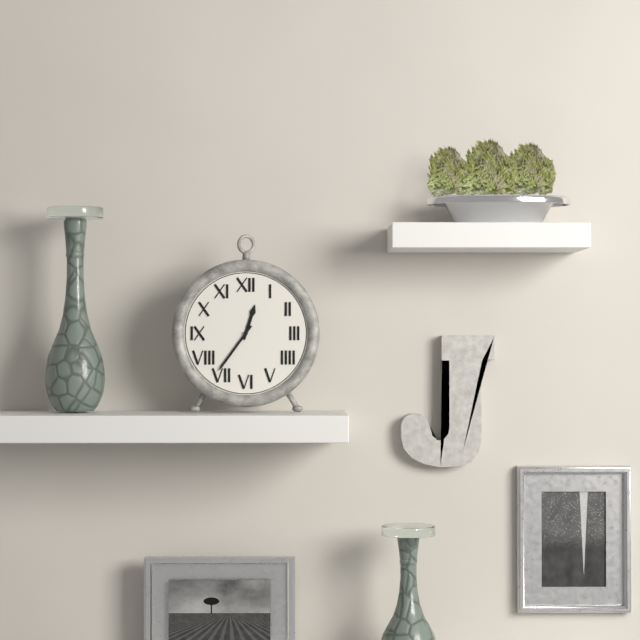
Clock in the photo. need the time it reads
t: 12:36
